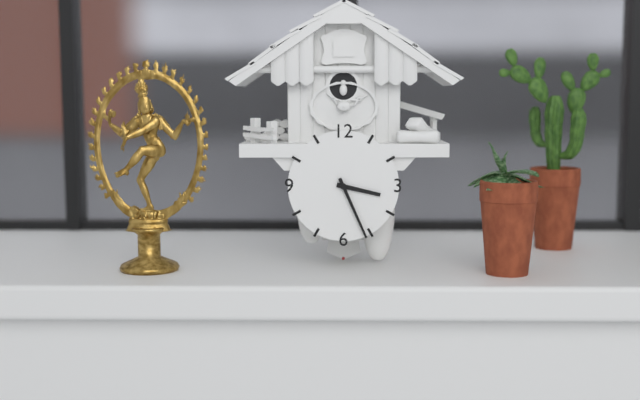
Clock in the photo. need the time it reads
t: 3:26
